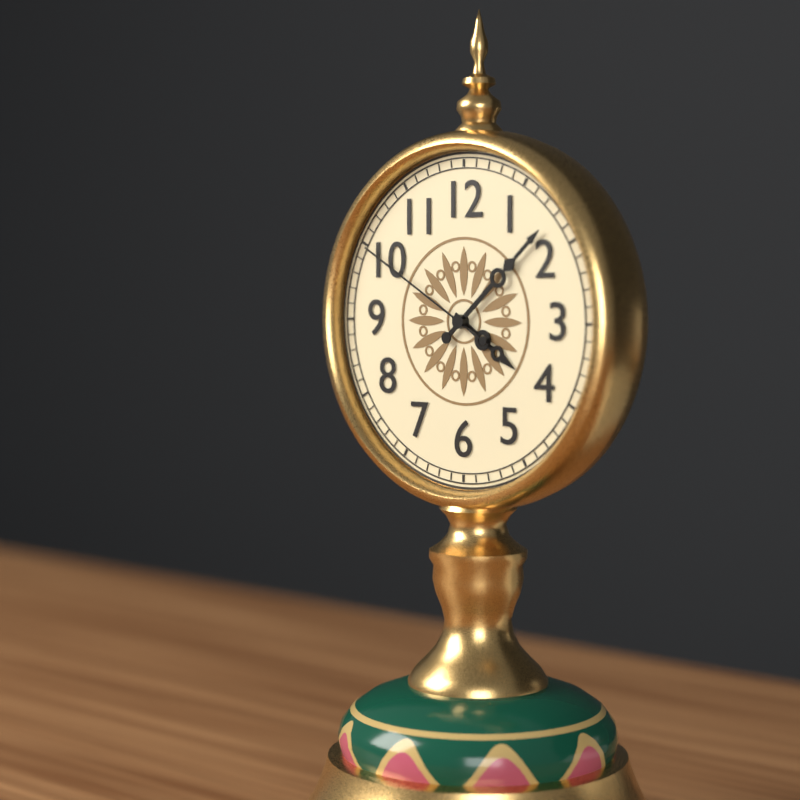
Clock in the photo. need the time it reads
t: 4:08:50
